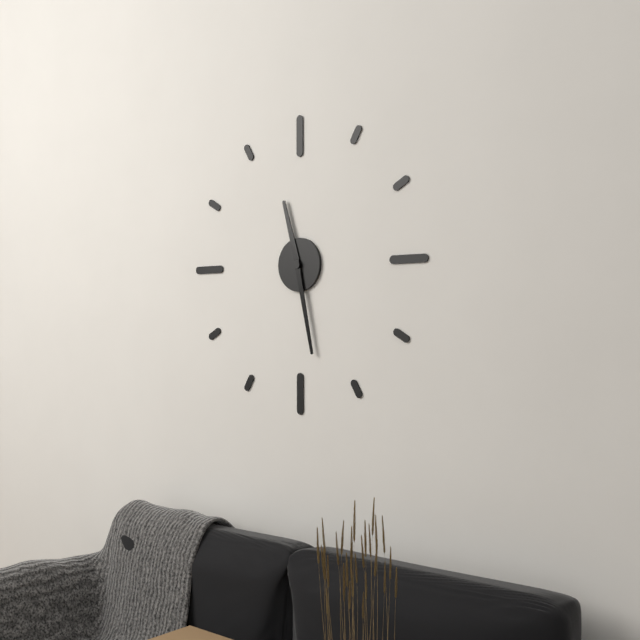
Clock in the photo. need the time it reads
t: 11:28
